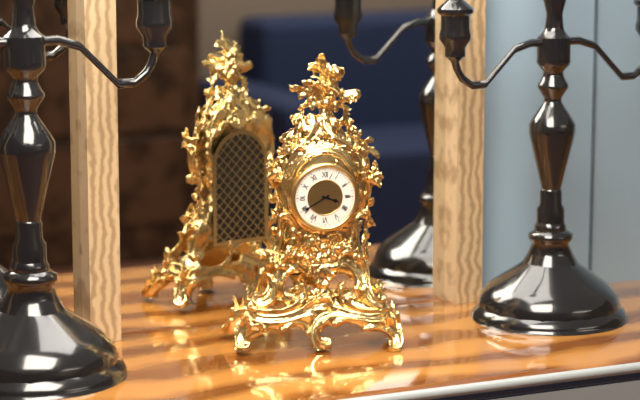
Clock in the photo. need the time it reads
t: 3:40
